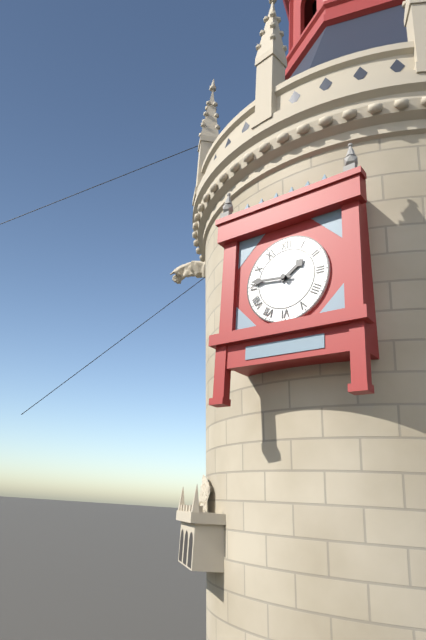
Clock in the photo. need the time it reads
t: 1:46
